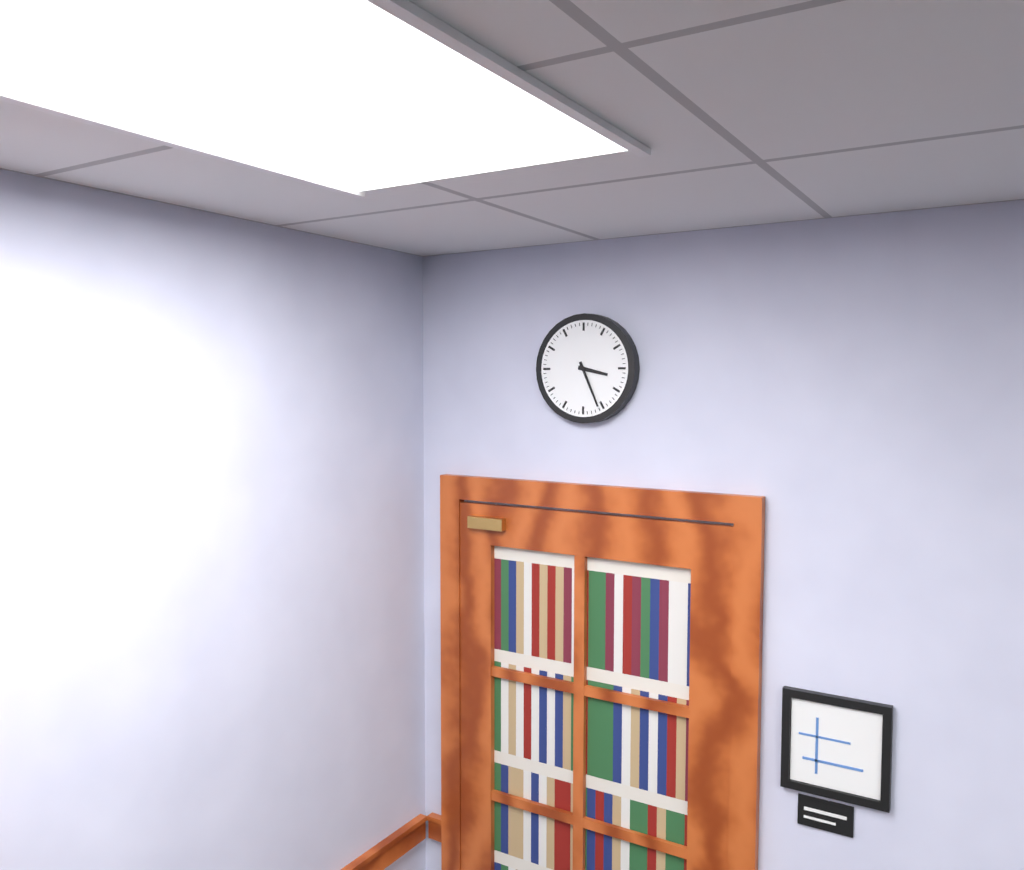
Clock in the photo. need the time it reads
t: 3:26
